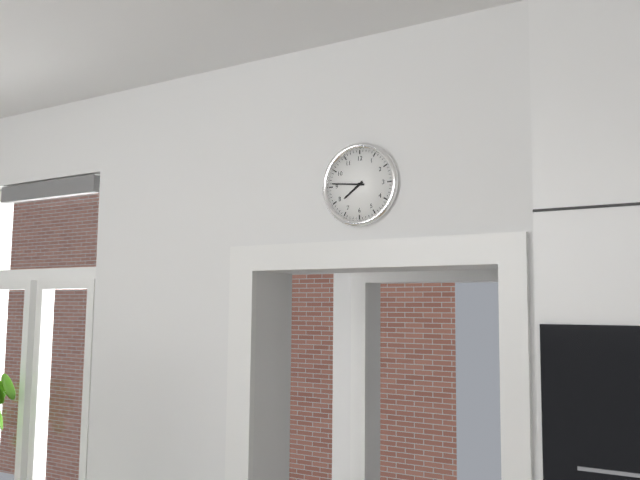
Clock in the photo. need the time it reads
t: 7:46
